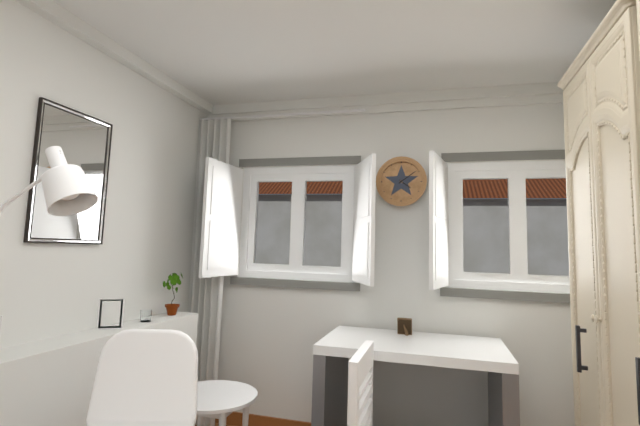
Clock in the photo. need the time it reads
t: 4:09
